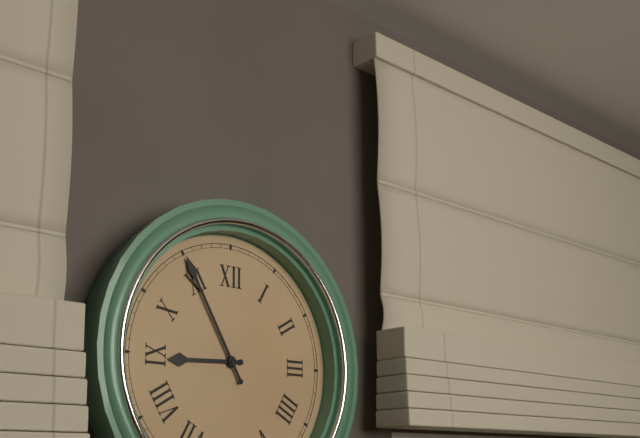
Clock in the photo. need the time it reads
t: 8:55
